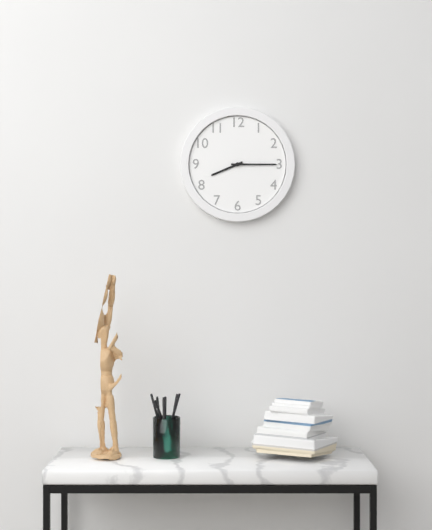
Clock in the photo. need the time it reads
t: 8:15
